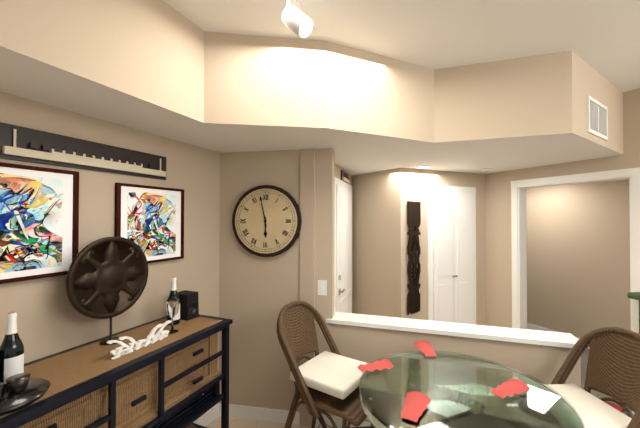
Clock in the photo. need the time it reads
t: 5:58
